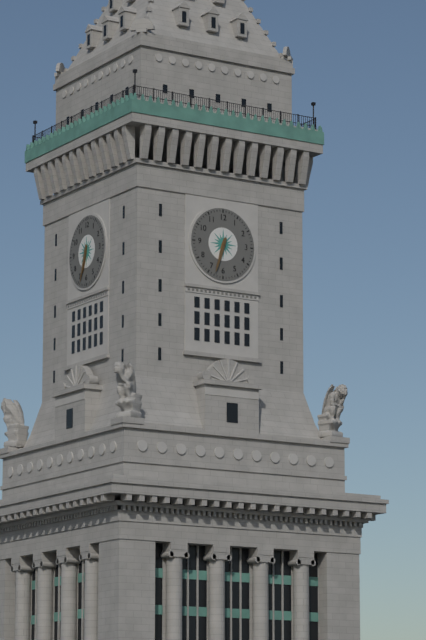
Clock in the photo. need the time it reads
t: 6:33
